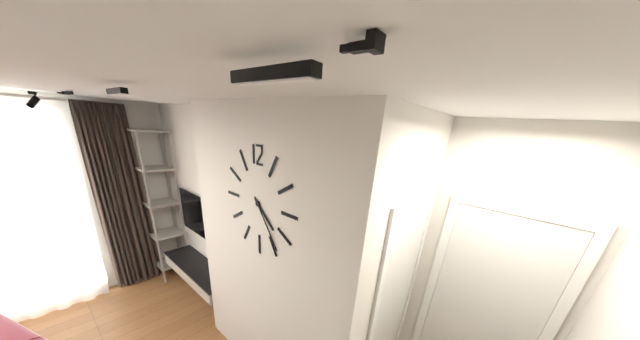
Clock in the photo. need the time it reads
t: 4:24
